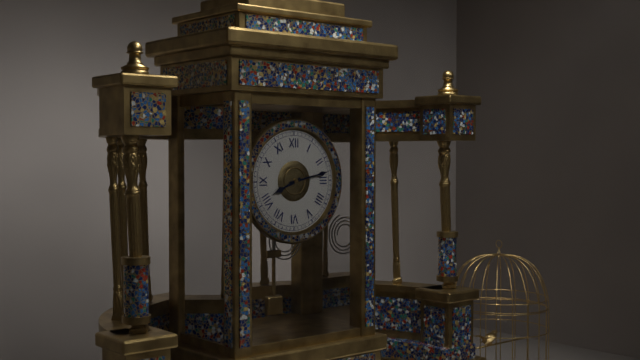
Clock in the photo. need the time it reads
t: 8:13
